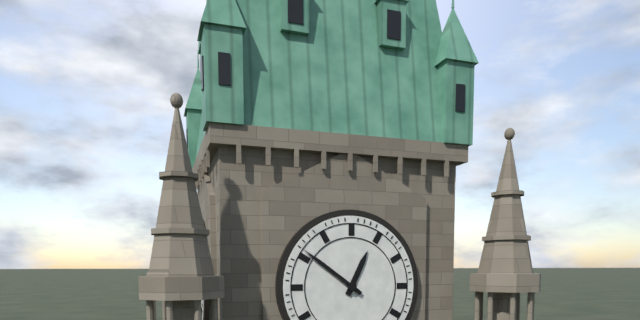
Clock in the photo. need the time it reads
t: 12:51
